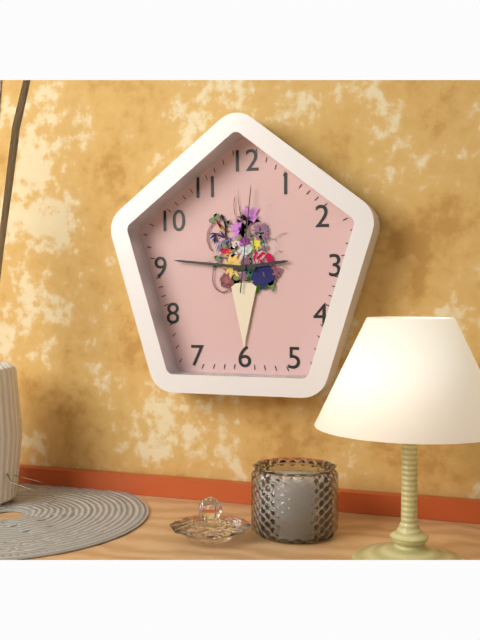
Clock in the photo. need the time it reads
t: 2:46:01
